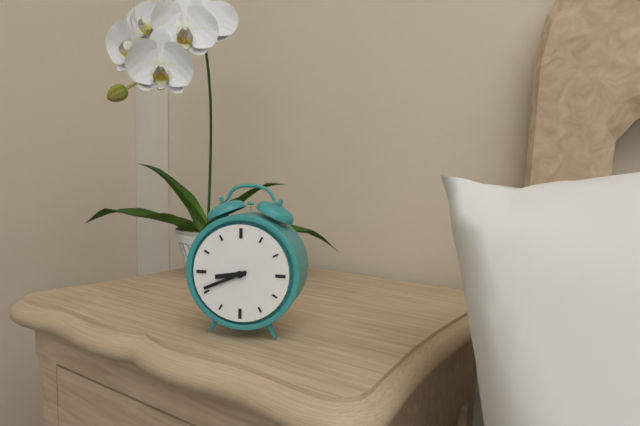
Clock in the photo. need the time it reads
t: 8:41
